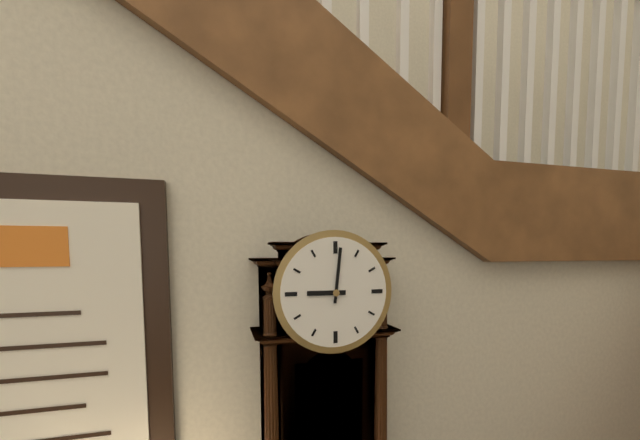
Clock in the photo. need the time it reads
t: 9:01
